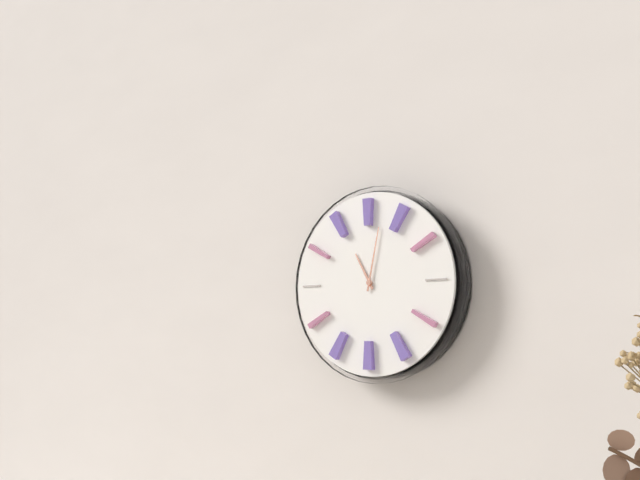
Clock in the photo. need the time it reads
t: 11:02
